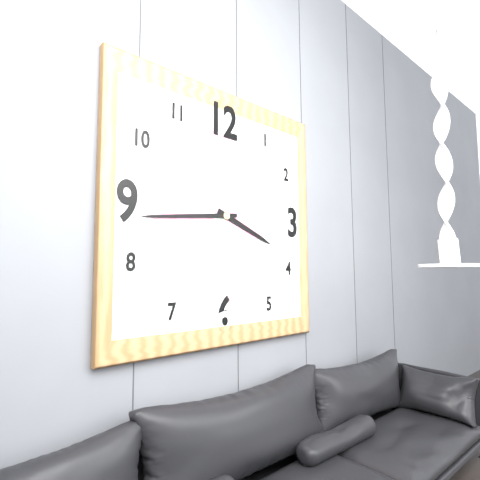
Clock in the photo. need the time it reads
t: 3:44
